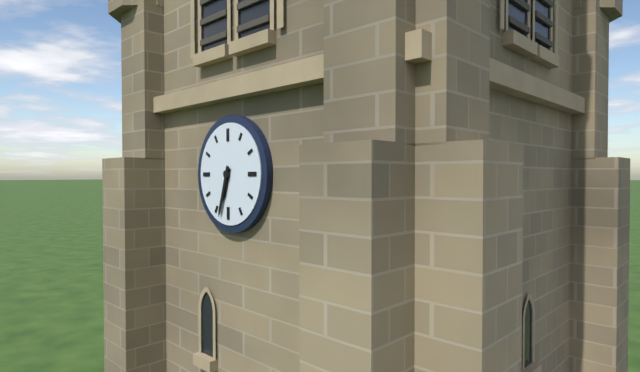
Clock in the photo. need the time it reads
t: 6:33
